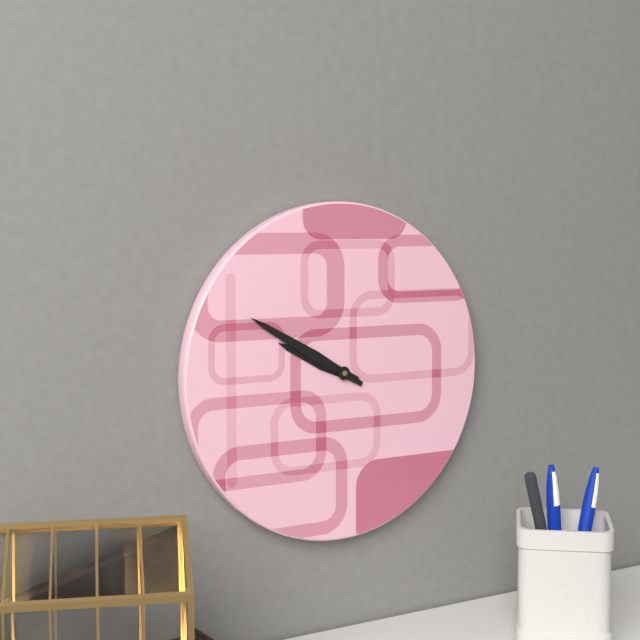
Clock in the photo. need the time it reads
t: 9:50
